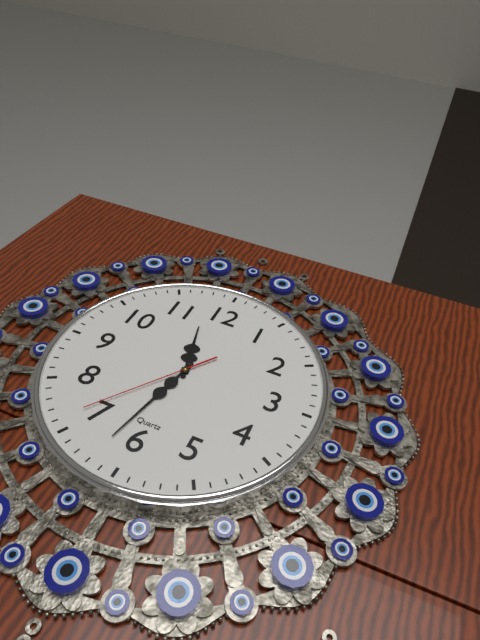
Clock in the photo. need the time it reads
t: 11:32:36
